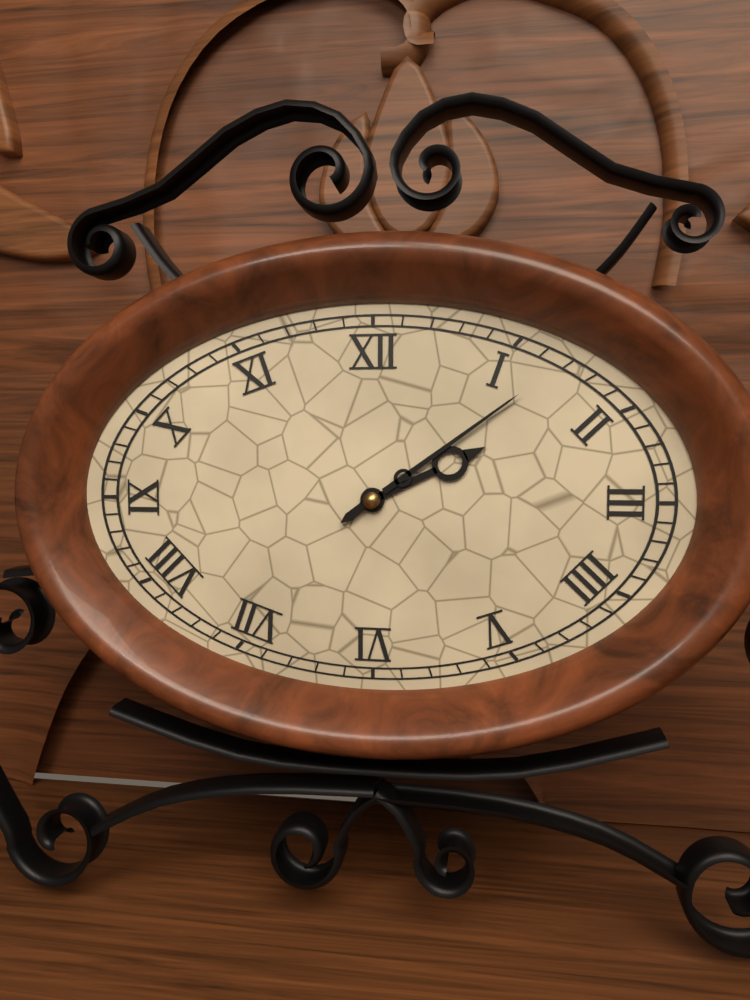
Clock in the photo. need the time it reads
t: 2:09
